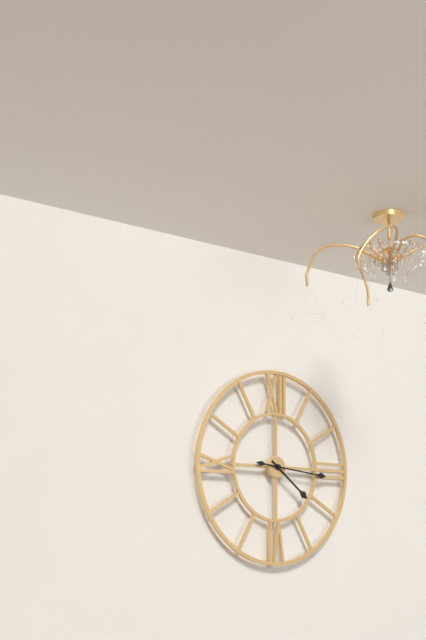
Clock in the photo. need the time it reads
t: 4:16
